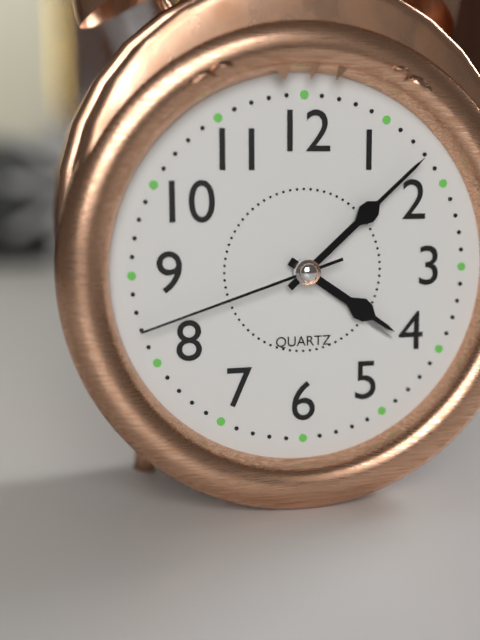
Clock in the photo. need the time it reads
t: 4:08:42
